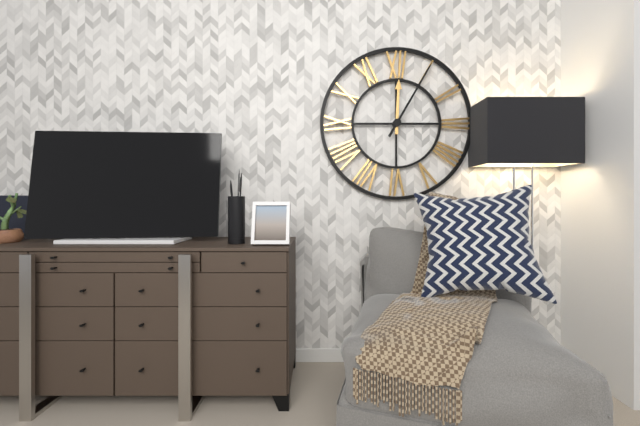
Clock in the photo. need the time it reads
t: 12:05
